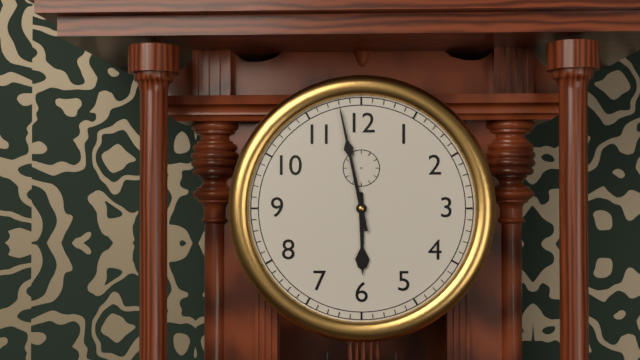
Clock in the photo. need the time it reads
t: 5:58
